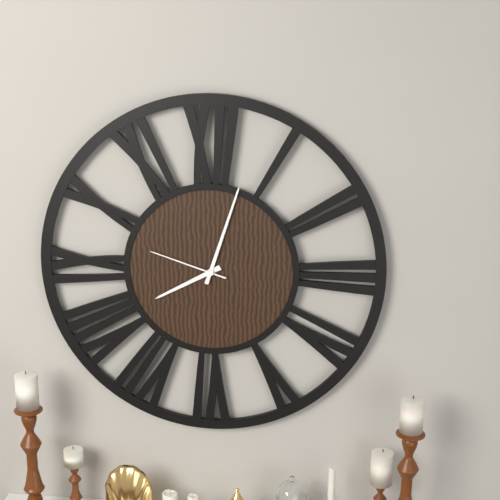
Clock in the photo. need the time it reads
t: 8:03:48
